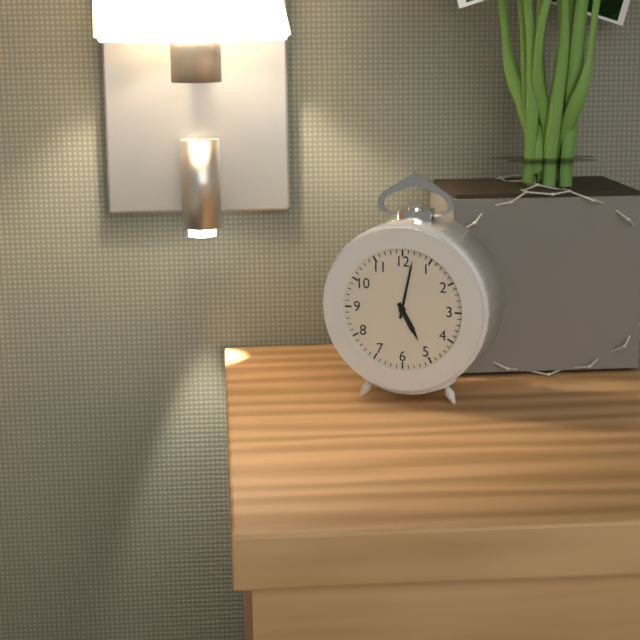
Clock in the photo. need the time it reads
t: 5:02
